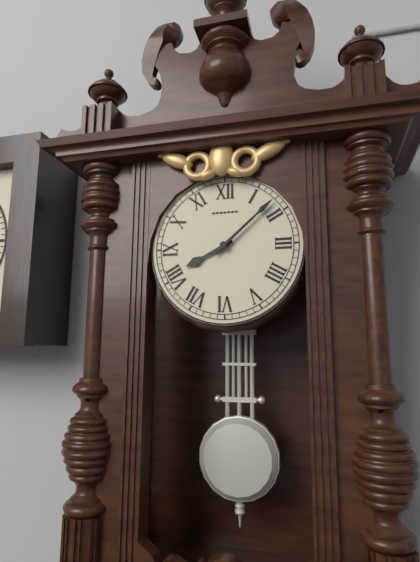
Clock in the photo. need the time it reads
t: 8:08
